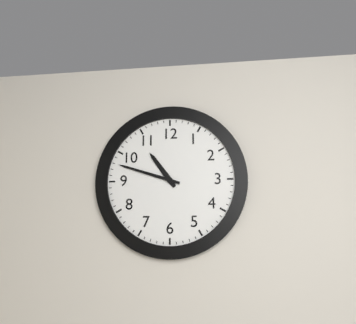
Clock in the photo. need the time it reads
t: 10:48
